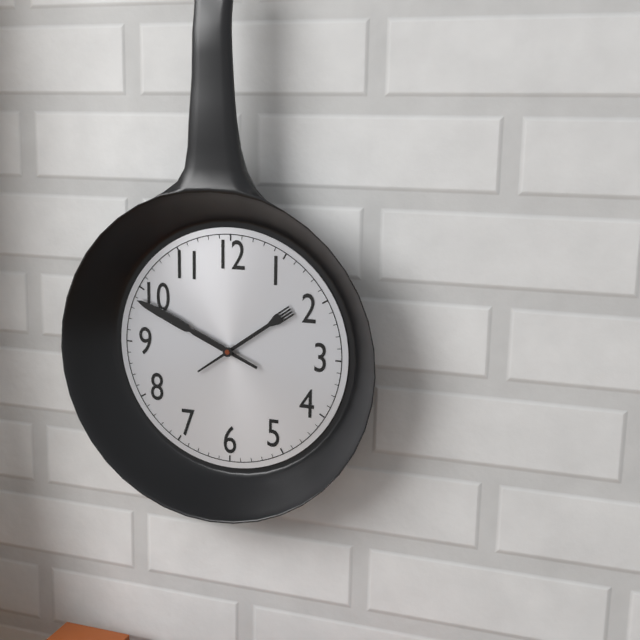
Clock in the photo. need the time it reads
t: 1:49
